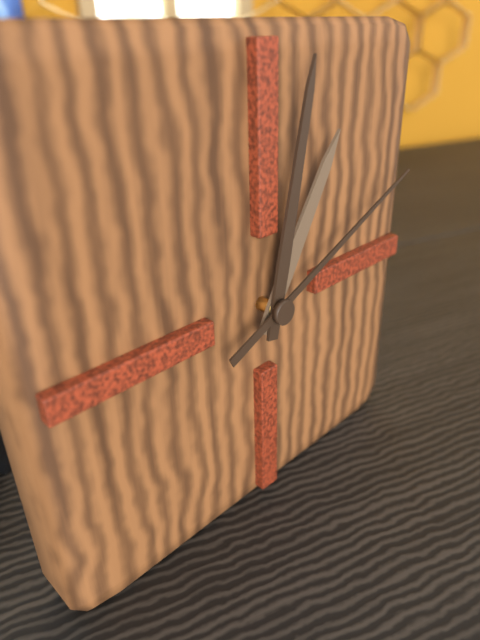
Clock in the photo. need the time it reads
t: 1:02:11
